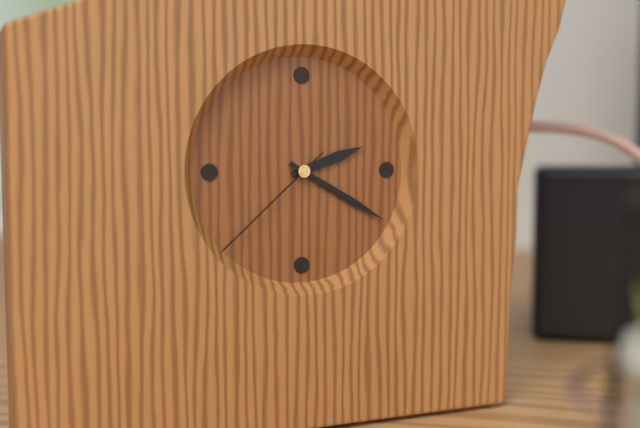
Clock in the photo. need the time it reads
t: 2:20:38
